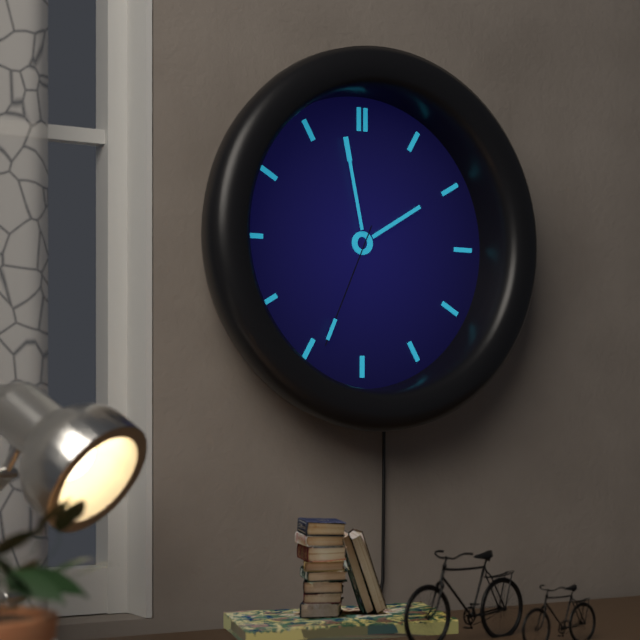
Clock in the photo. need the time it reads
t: 1:58:34
